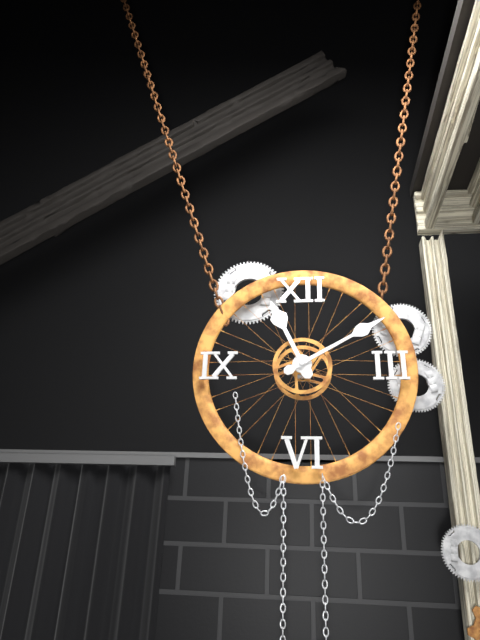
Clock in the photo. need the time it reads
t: 11:10
